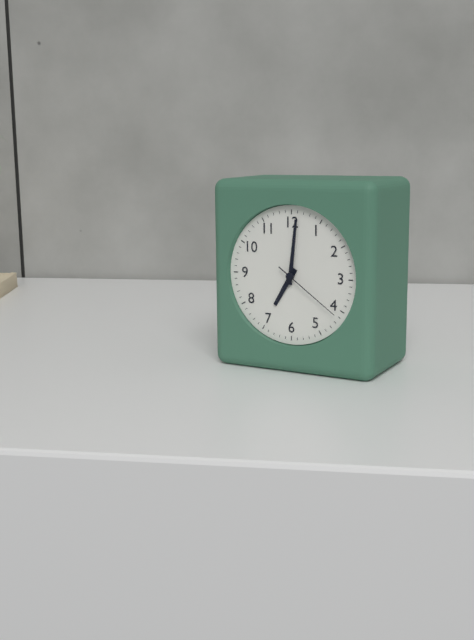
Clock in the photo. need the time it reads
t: 7:01:21
